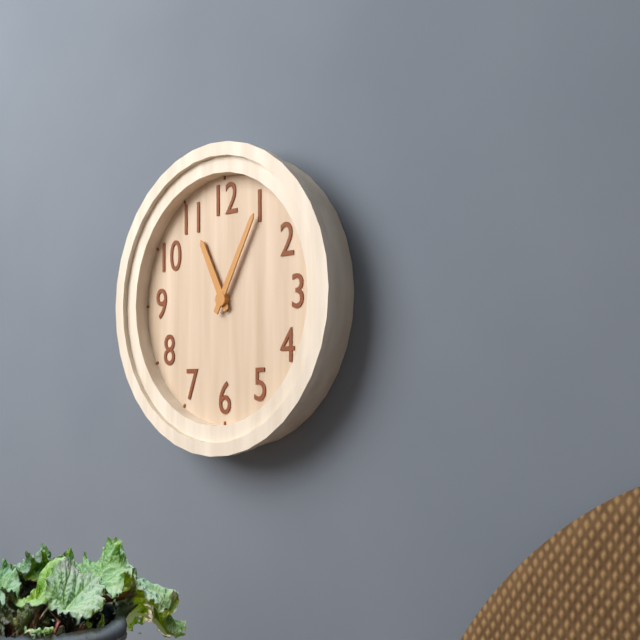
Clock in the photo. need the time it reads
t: 11:05
